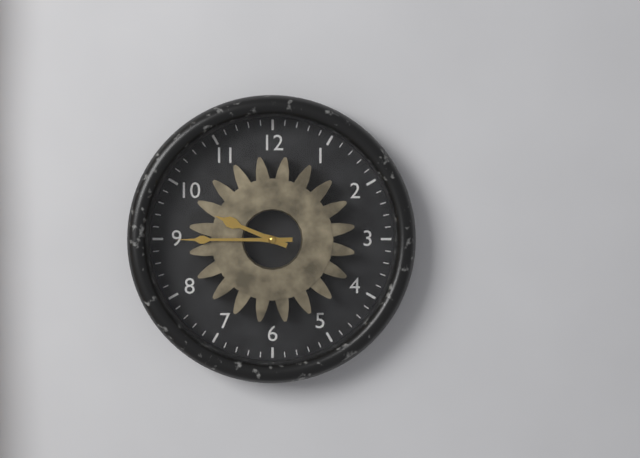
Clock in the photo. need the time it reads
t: 9:45
